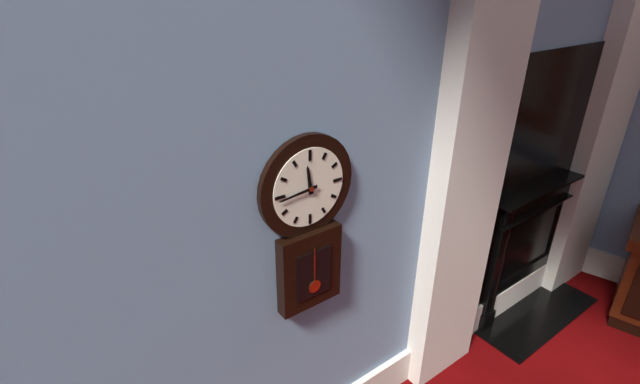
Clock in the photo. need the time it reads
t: 11:44
